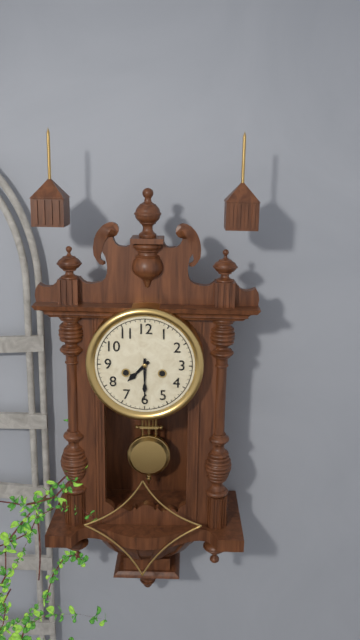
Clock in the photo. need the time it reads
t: 7:30
